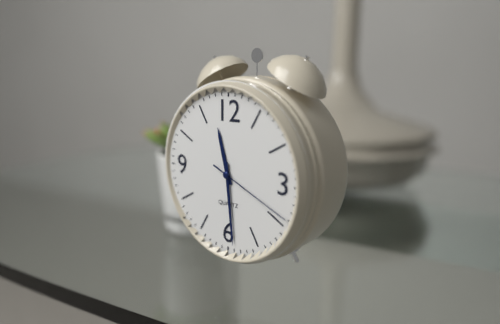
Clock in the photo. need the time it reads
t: 11:29:19
